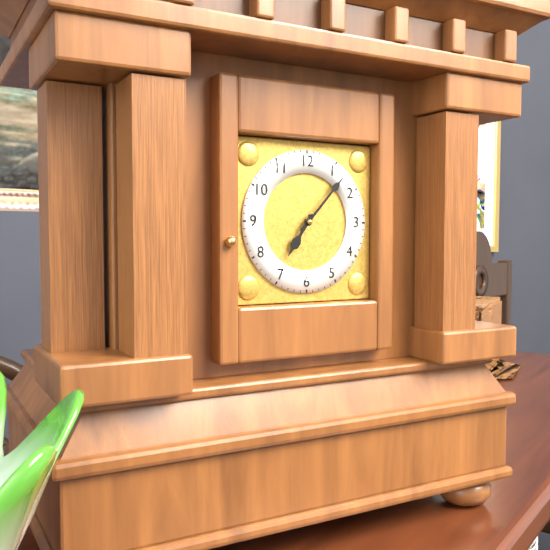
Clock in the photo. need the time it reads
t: 7:07
